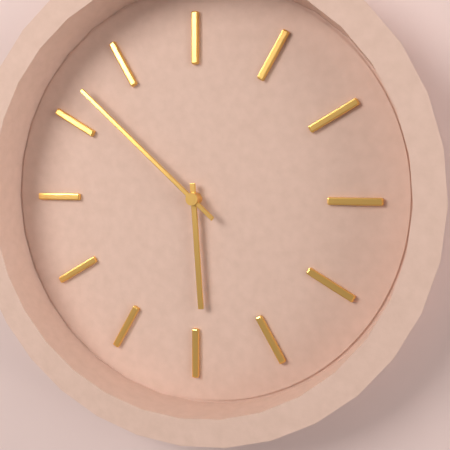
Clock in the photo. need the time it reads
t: 5:52
